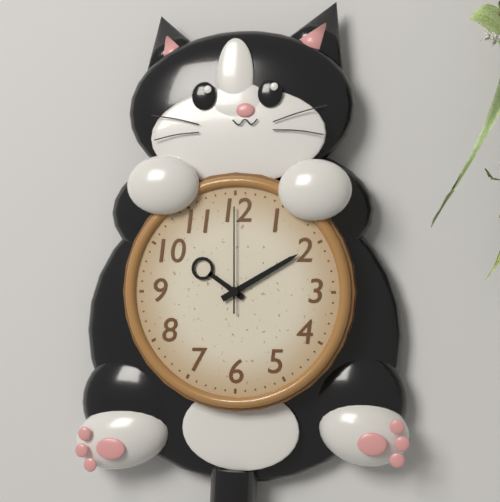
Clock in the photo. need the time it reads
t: 10:10:00
